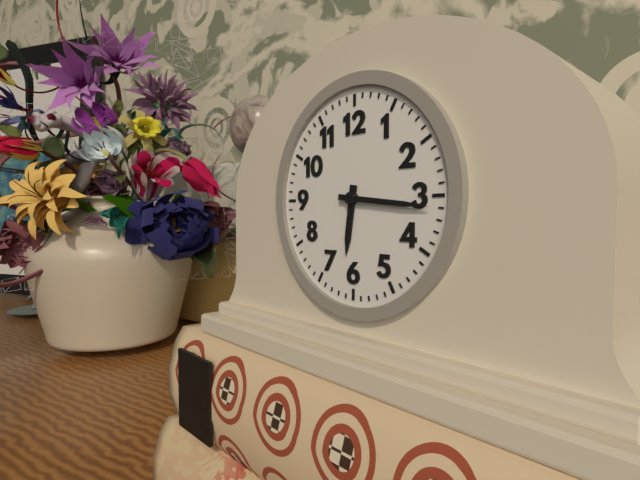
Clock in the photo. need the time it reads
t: 6:16
